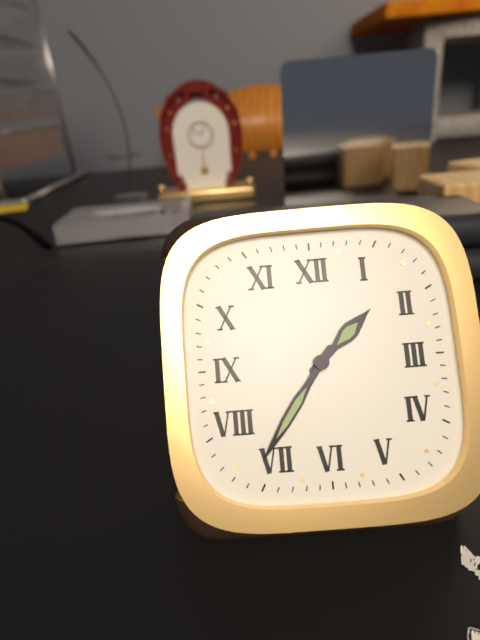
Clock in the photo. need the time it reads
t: 1:36
